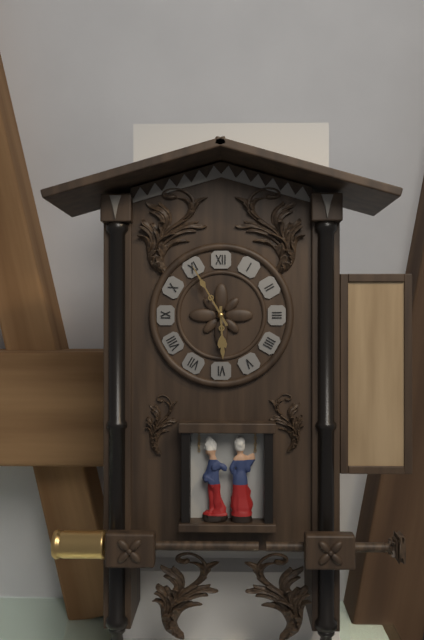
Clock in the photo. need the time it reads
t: 5:55
